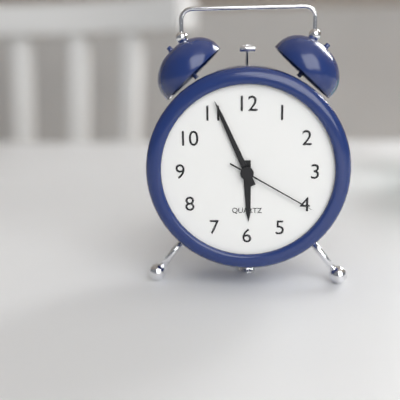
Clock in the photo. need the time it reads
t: 5:56:20
